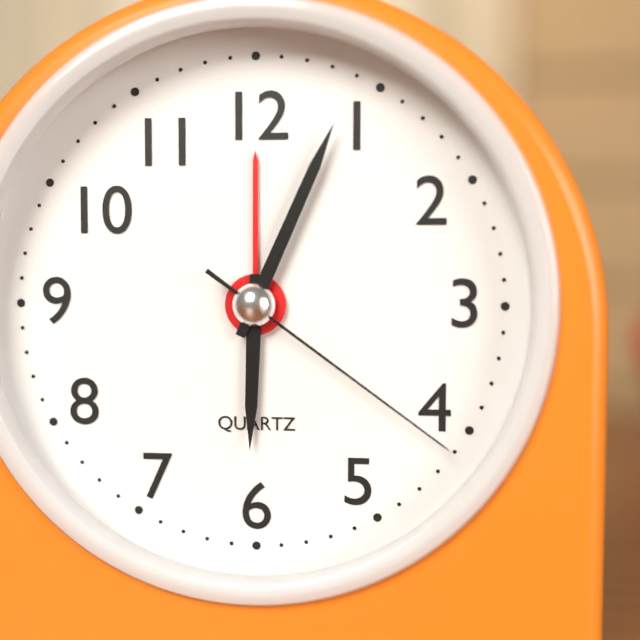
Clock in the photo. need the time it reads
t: 6:04:21
